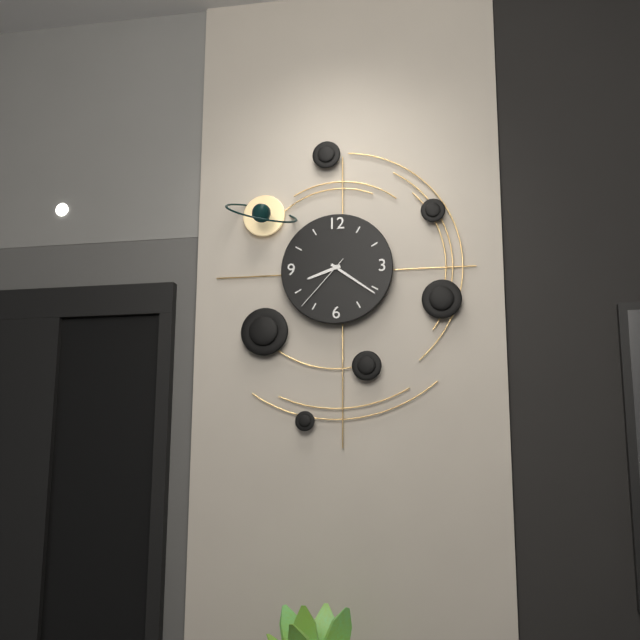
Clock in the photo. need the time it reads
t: 8:21:37
